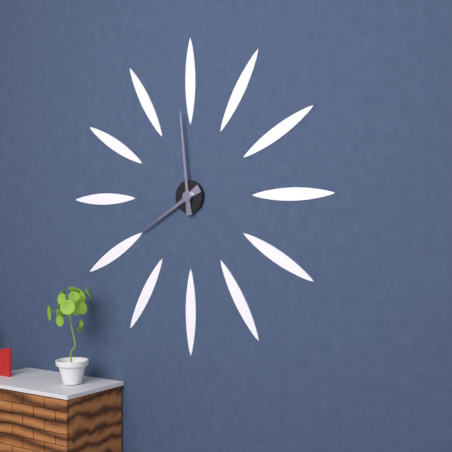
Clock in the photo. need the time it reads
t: 7:59
